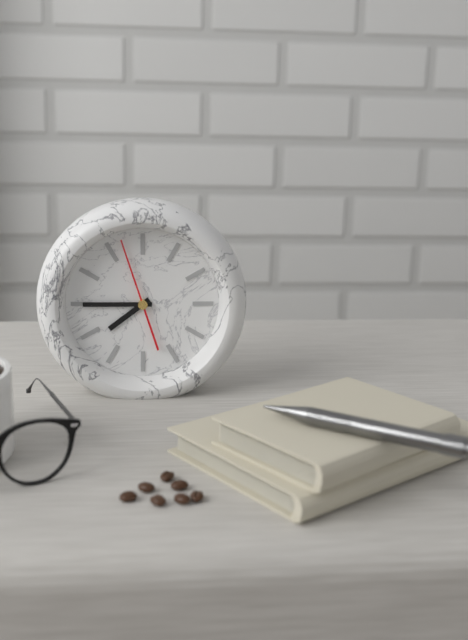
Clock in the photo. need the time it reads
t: 7:45:57
